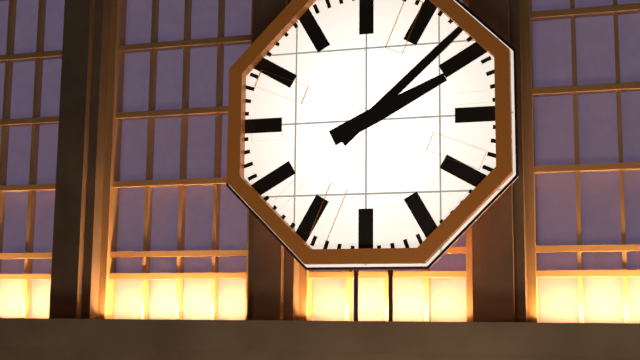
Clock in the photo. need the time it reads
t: 2:08
